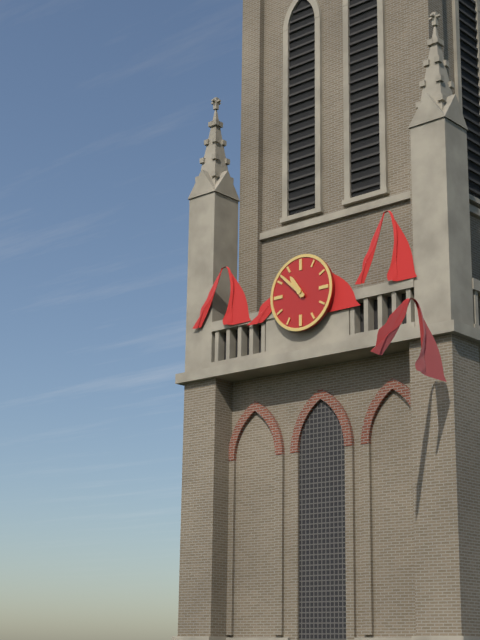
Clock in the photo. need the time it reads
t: 10:52
